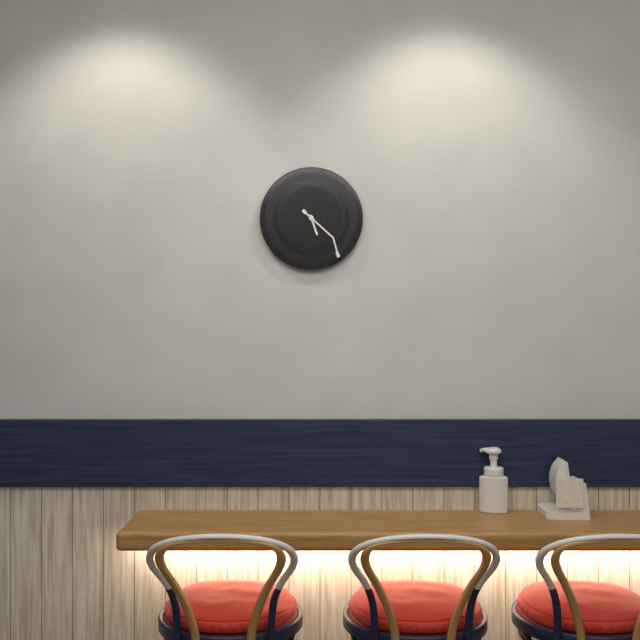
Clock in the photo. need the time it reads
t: 5:22
